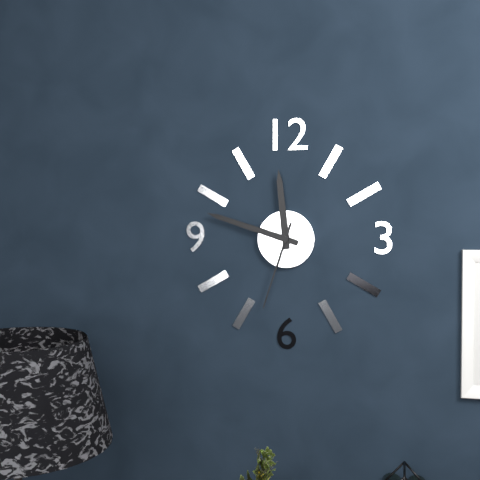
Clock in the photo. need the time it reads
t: 11:48:33
